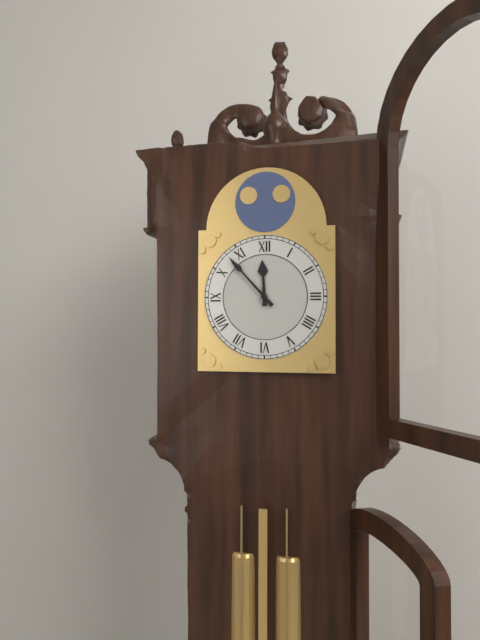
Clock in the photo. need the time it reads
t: 11:53
